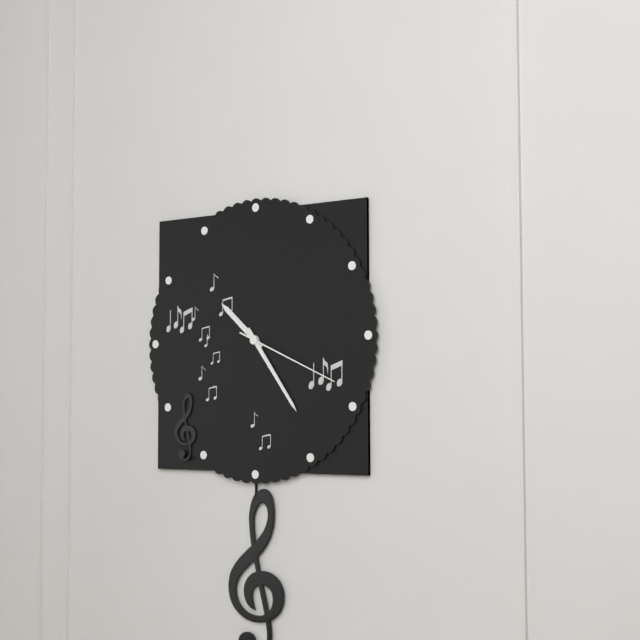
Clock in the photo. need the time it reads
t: 10:24:19
